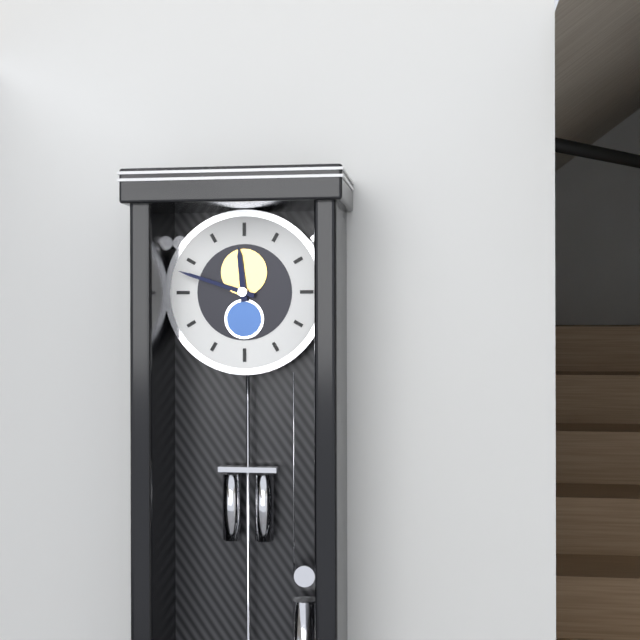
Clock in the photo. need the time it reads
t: 11:48
